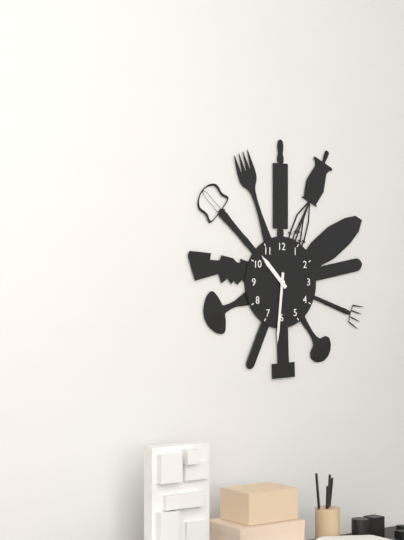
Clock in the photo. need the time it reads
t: 10:31
